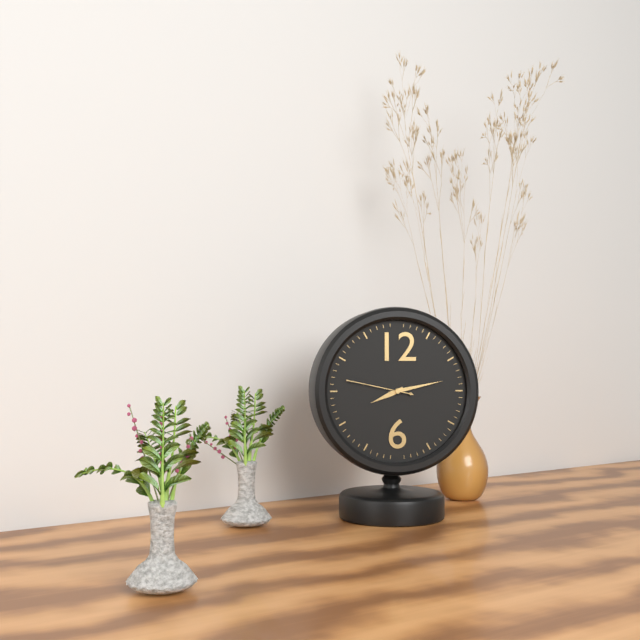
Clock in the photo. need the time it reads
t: 8:13:47
